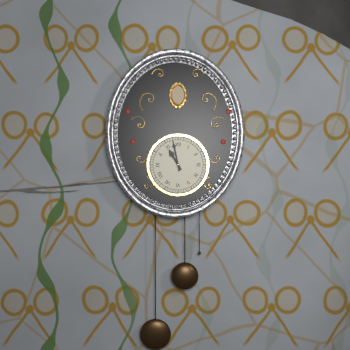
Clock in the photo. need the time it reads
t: 10:58
